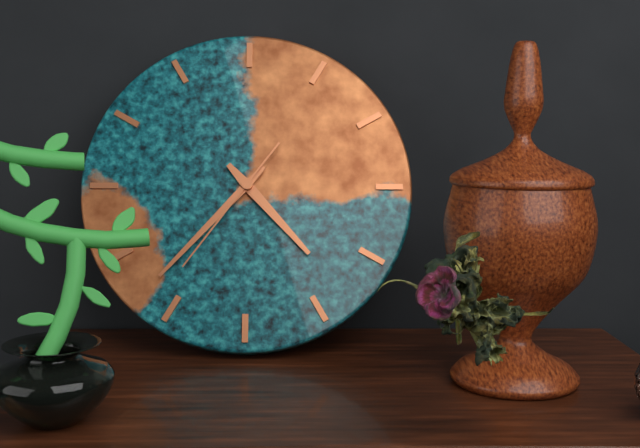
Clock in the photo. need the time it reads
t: 4:37:36
